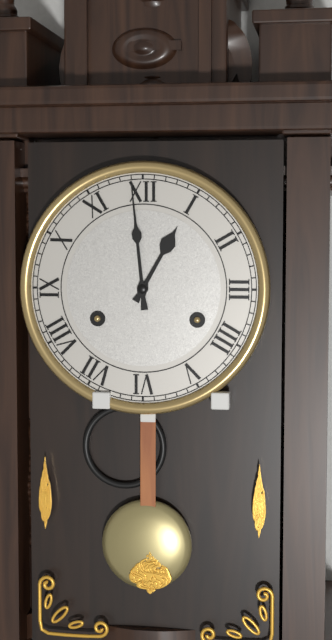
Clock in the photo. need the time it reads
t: 12:59
